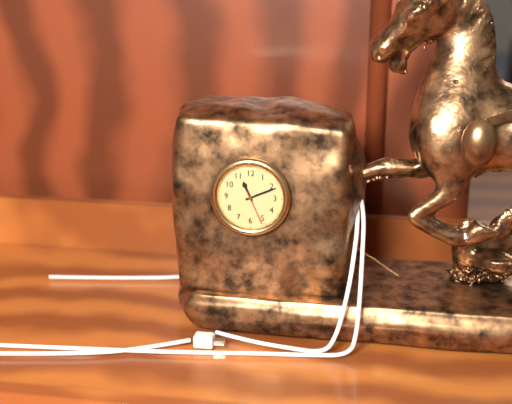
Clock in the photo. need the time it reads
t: 11:11
